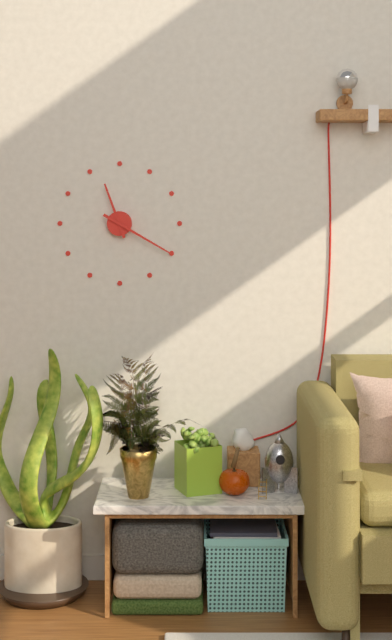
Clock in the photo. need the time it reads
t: 11:20
